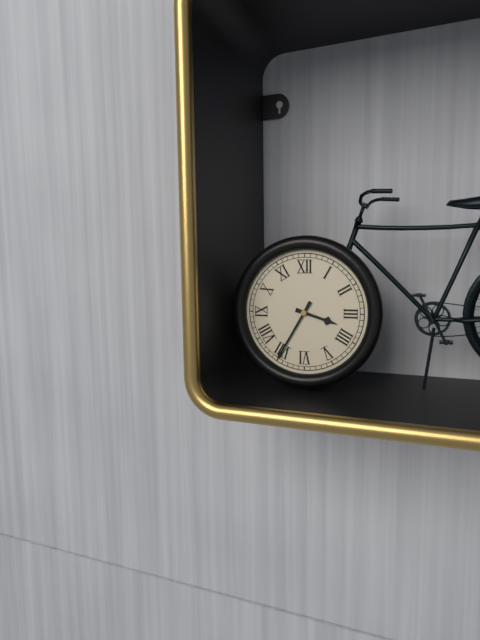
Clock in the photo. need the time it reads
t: 3:35
